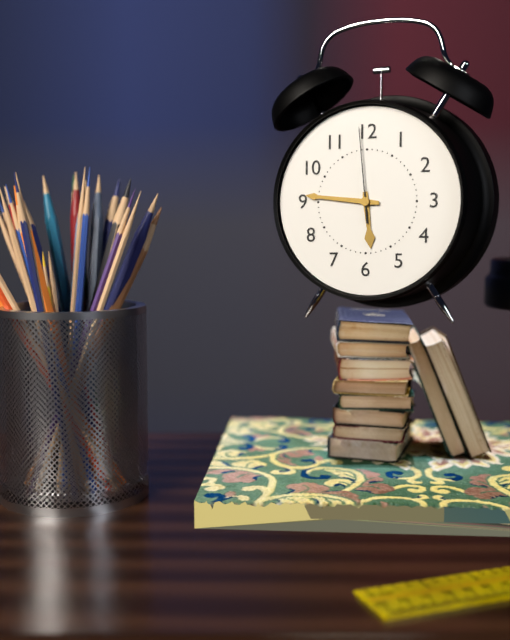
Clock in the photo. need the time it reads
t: 5:46:59
